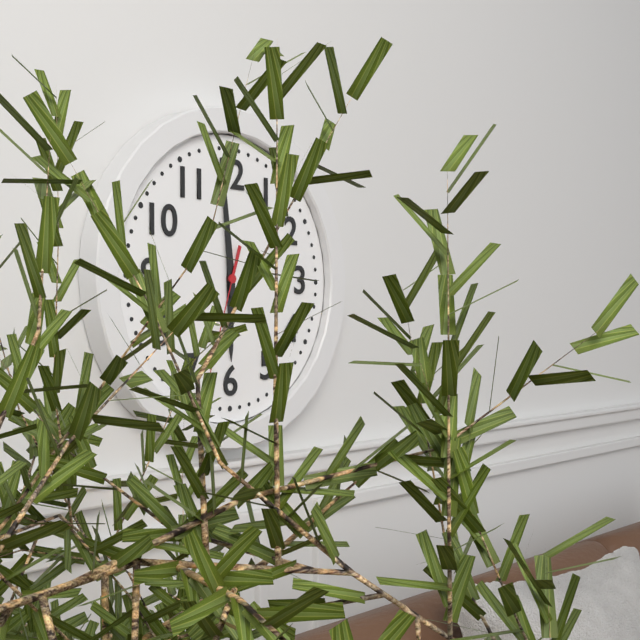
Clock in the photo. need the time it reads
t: 5:59
